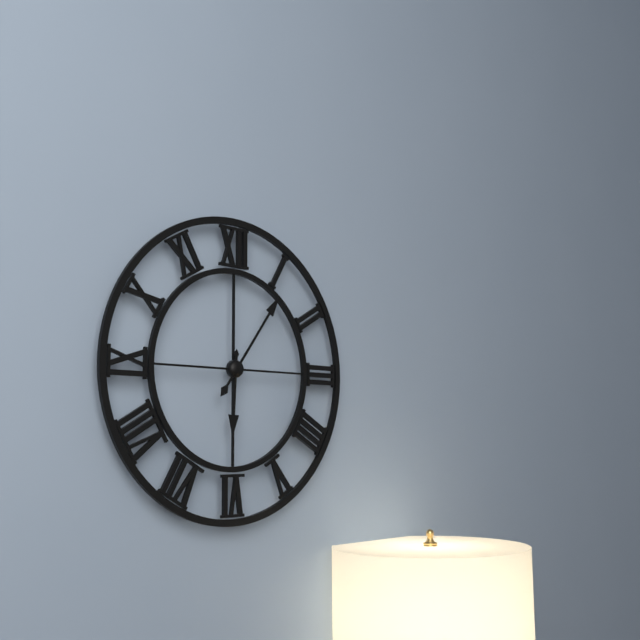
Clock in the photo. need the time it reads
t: 6:06
